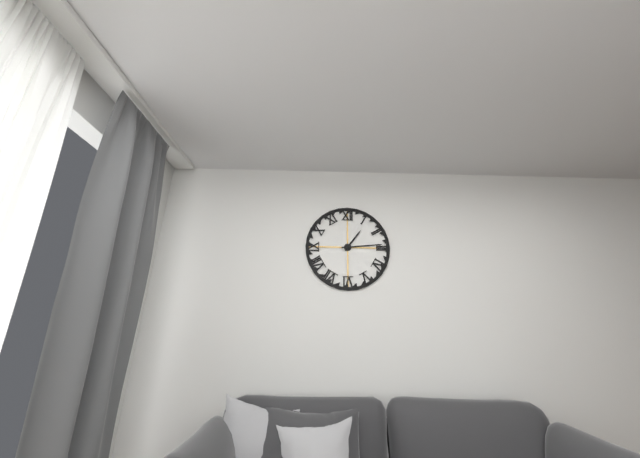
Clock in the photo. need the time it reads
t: 1:14
